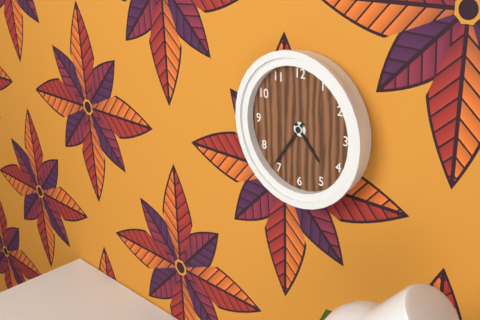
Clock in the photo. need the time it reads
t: 4:36
